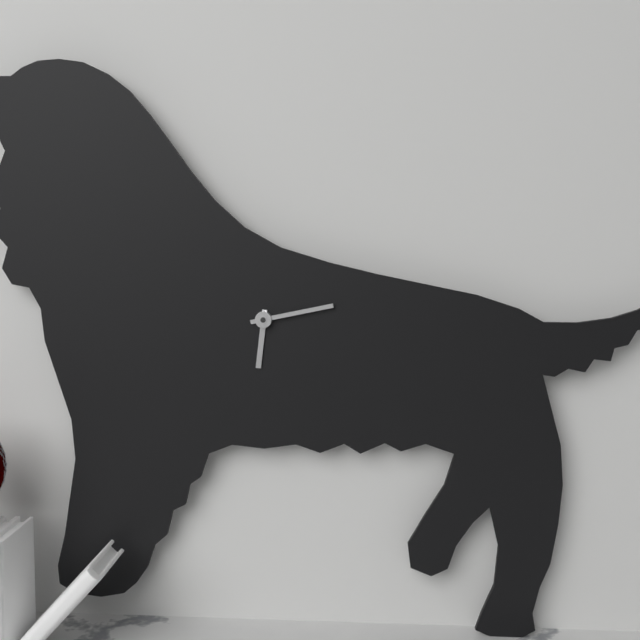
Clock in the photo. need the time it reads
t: 6:13
